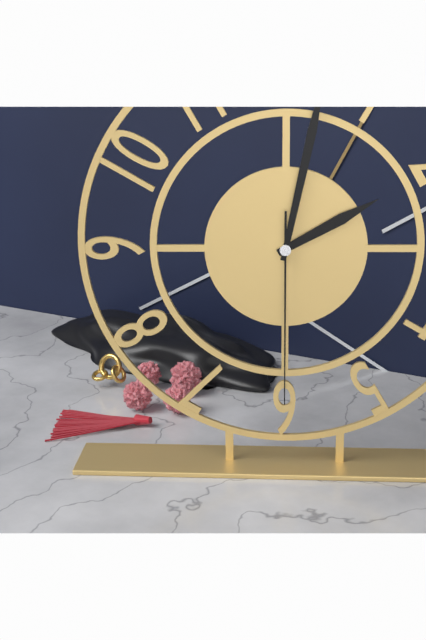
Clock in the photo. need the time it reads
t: 2:02:30
